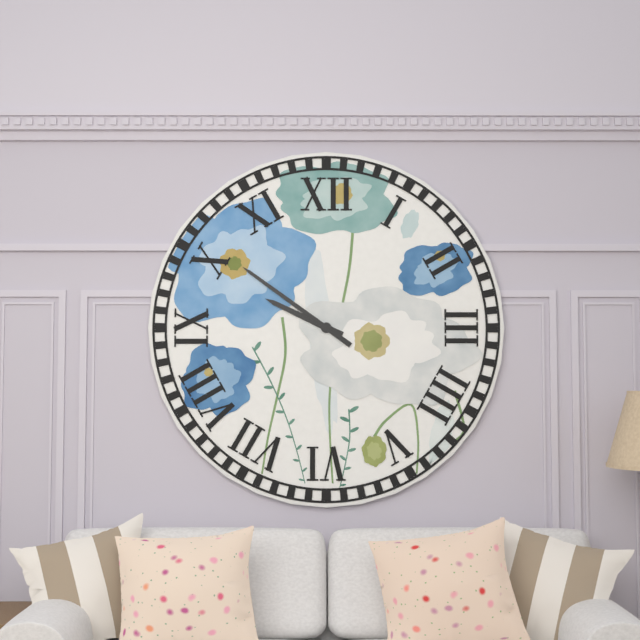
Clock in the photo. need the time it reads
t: 9:51
